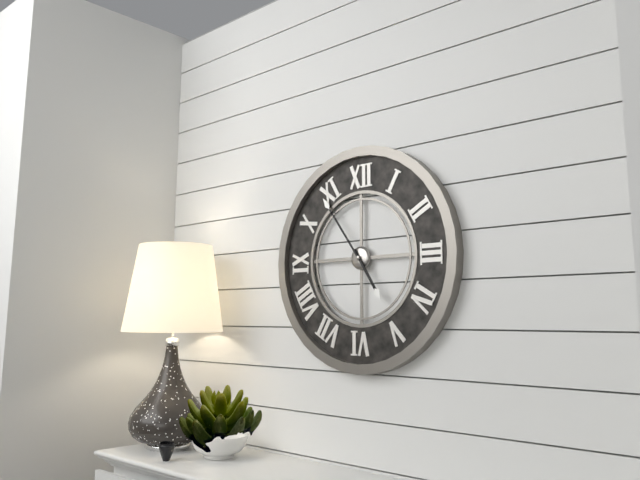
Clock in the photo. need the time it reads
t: 4:54
